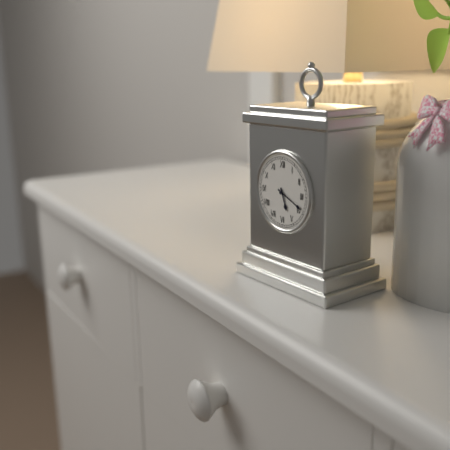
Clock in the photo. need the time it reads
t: 5:19
